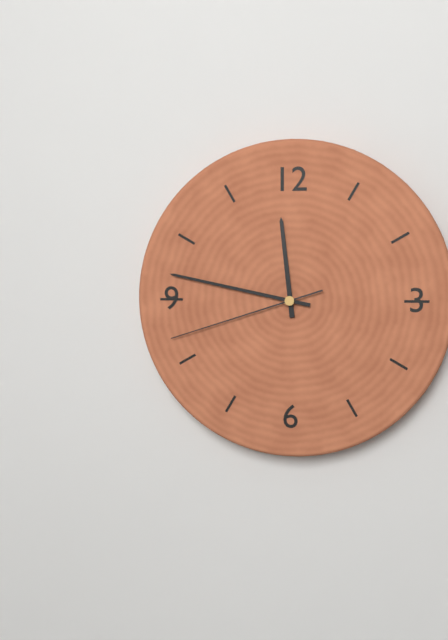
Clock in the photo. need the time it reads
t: 11:47:42
